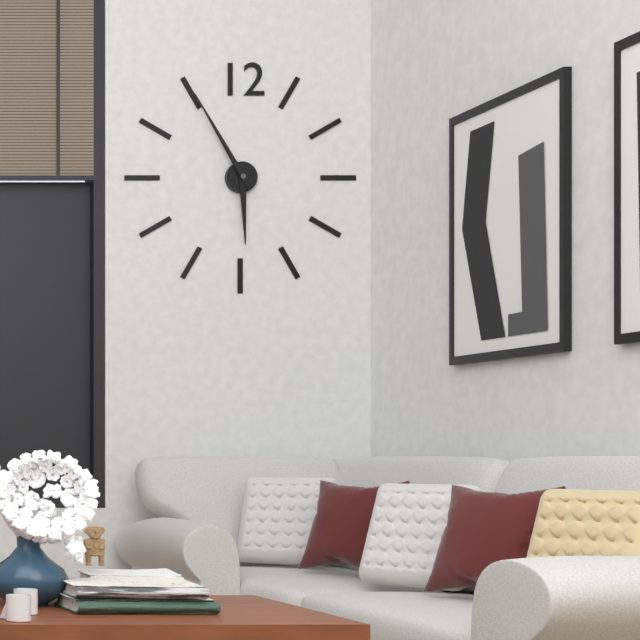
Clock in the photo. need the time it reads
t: 5:55
